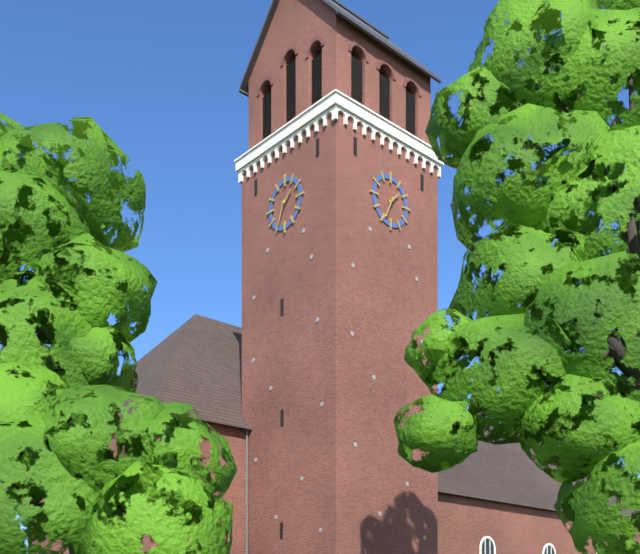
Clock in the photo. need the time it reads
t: 1:34
